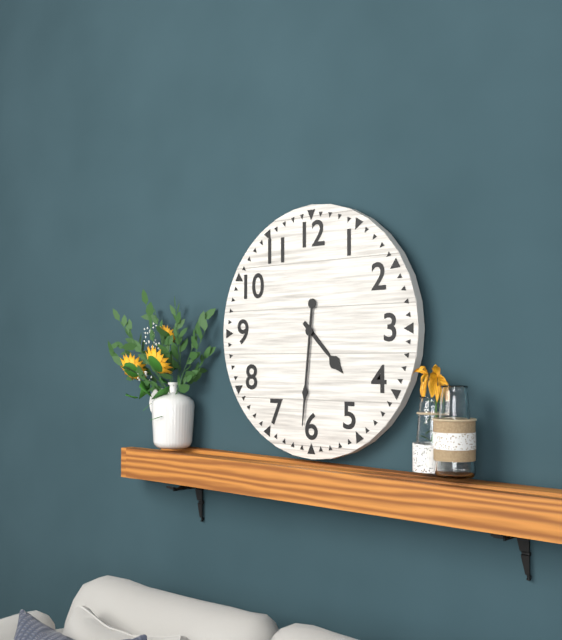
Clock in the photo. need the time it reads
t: 4:31
